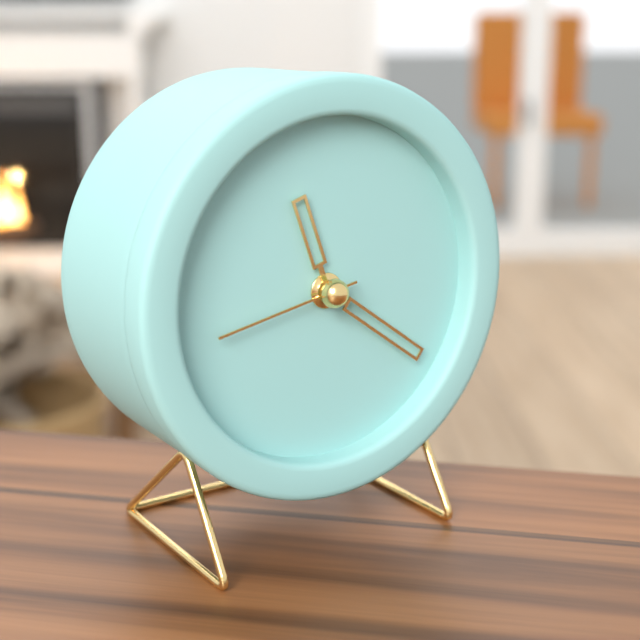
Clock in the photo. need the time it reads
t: 11:21:43
